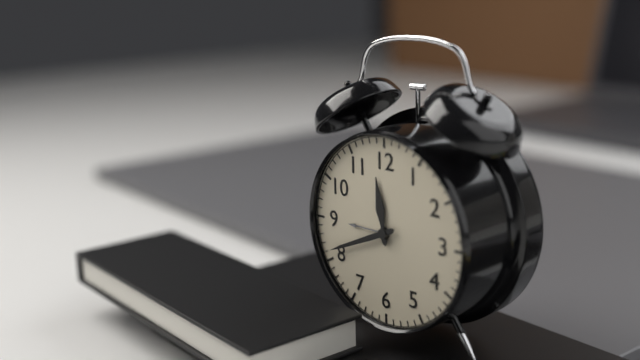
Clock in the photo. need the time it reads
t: 11:41
